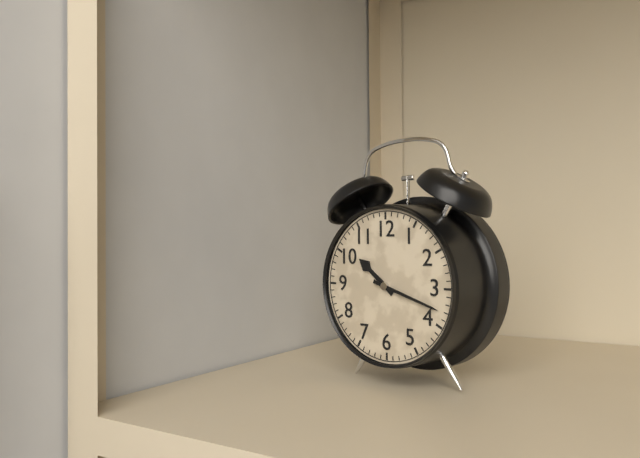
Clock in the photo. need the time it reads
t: 10:18
